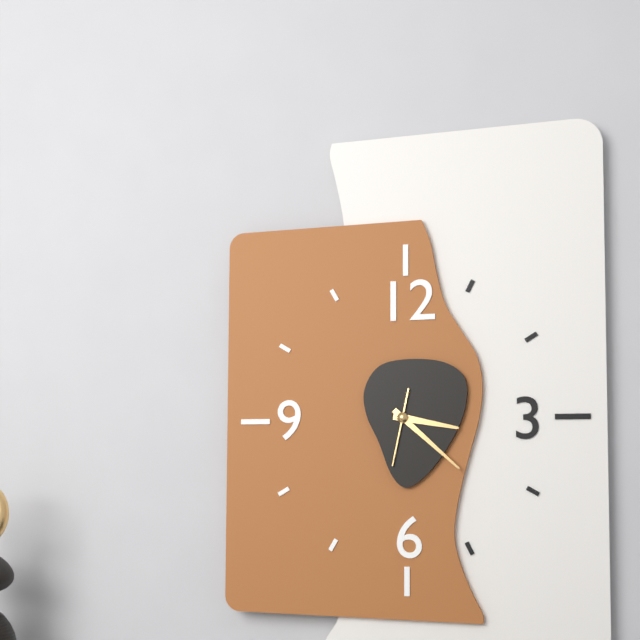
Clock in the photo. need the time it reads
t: 3:22:32
